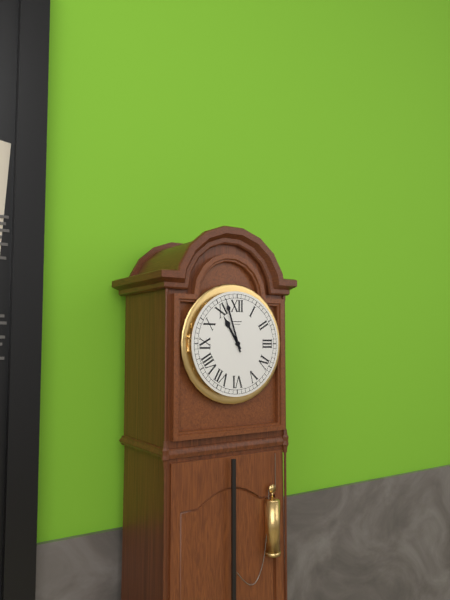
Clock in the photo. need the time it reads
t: 10:57
